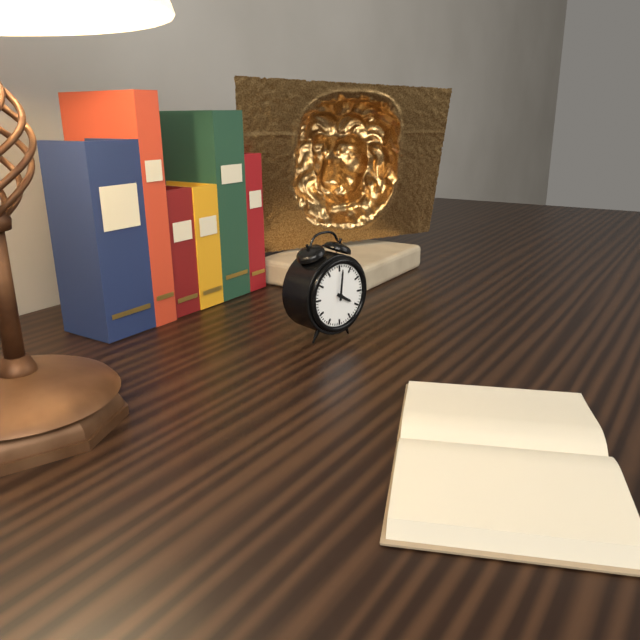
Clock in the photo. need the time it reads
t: 4:01
